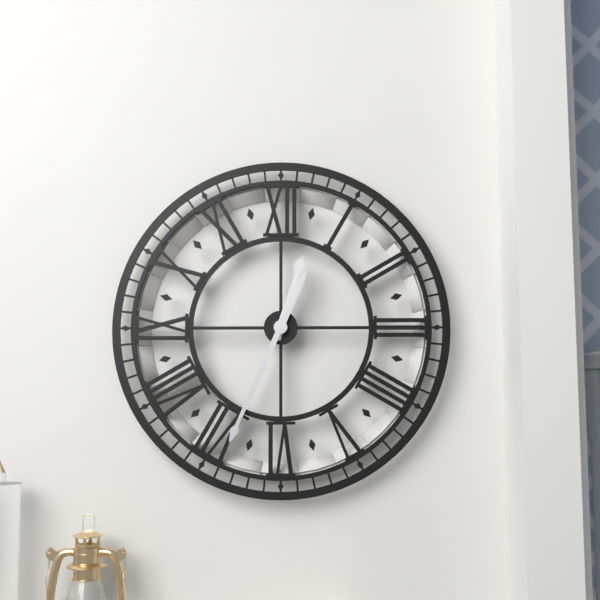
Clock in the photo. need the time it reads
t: 12:34
